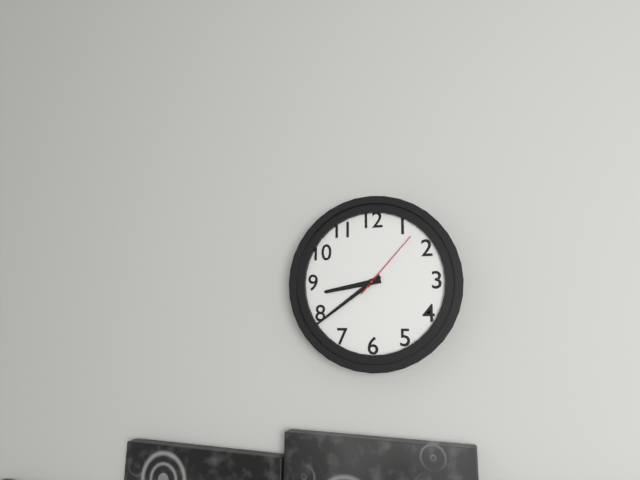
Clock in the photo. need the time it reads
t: 8:39:07
